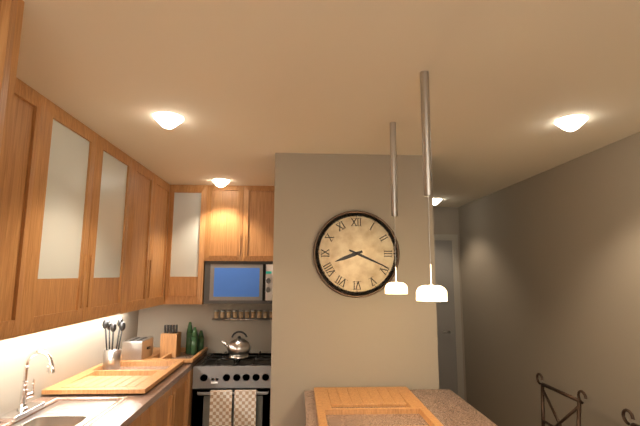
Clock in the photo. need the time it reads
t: 8:19
